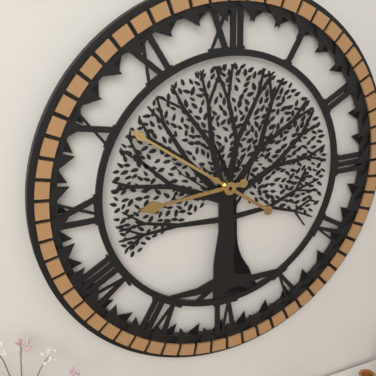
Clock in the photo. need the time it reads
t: 8:51
